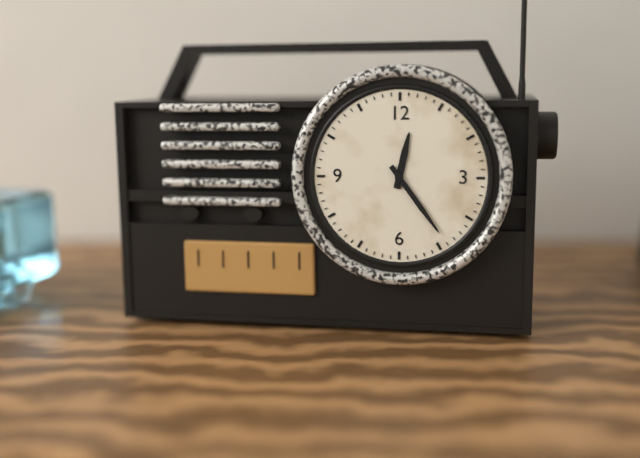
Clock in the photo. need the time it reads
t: 12:24
